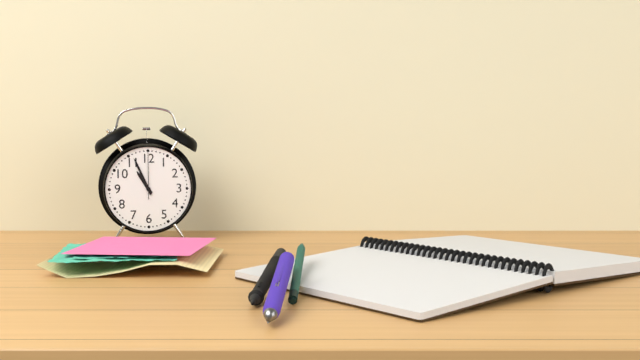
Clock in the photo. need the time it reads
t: 10:56
